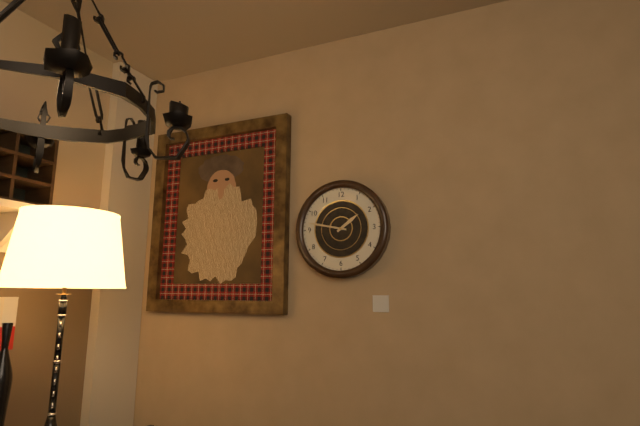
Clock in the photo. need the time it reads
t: 1:47
